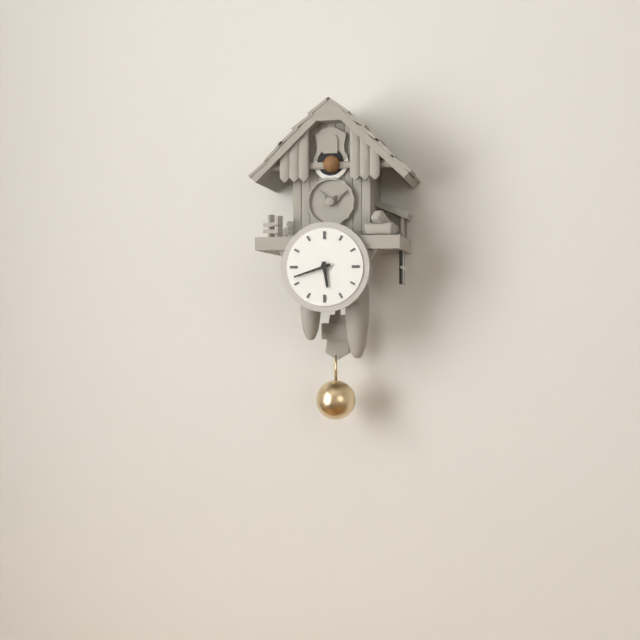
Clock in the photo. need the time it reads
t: 5:42
